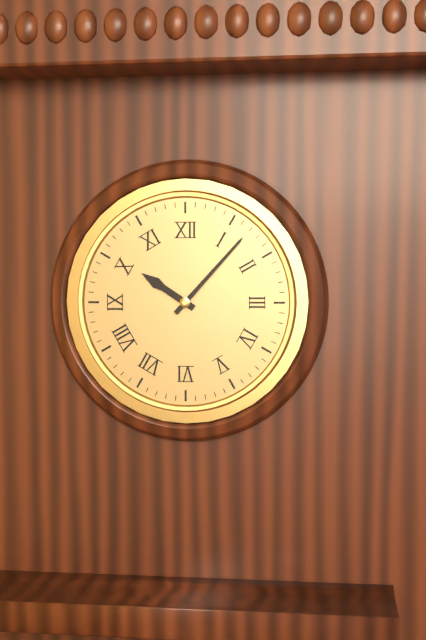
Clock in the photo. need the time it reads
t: 10:07
